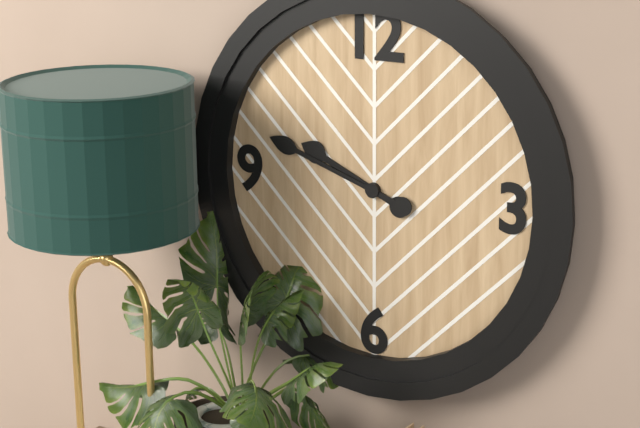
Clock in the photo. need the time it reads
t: 9:48
